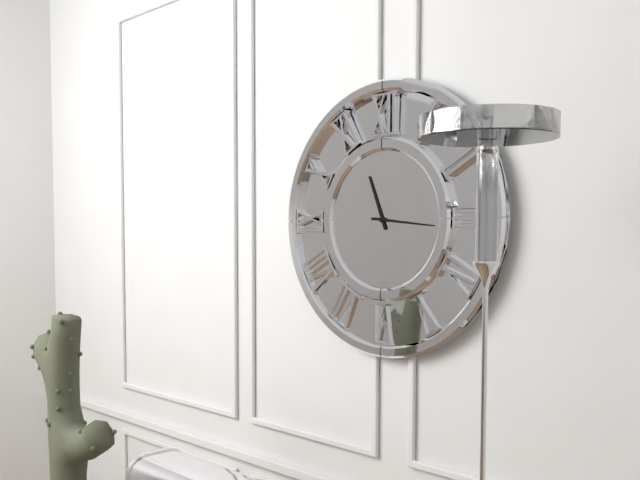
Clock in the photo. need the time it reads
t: 11:16
